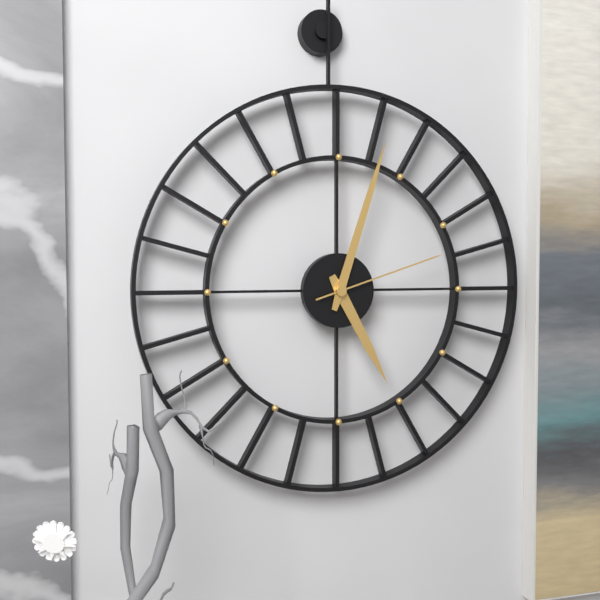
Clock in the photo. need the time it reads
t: 5:03:12
